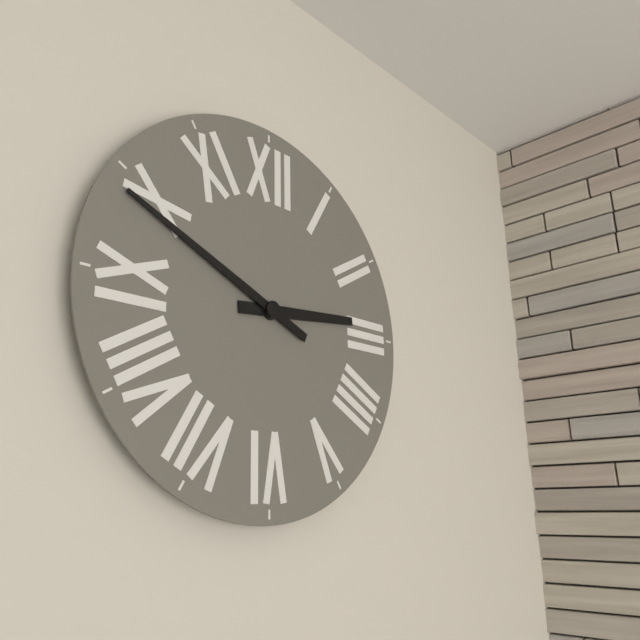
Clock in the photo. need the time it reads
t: 2:49
